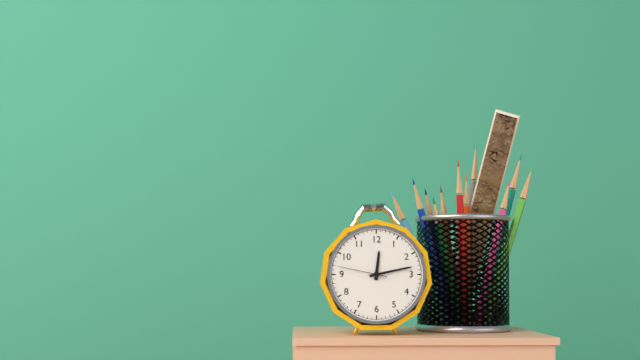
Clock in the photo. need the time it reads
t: 12:13:47
